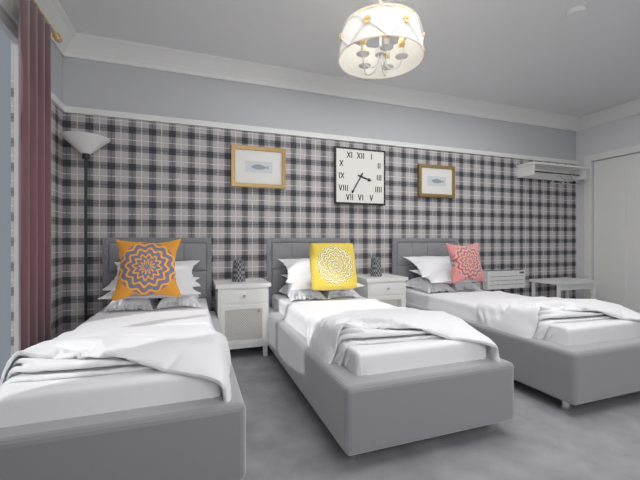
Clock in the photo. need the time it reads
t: 3:35
